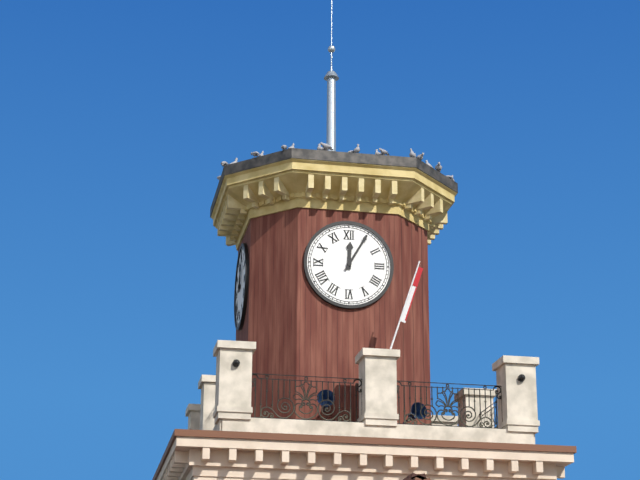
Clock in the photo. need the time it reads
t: 12:05
